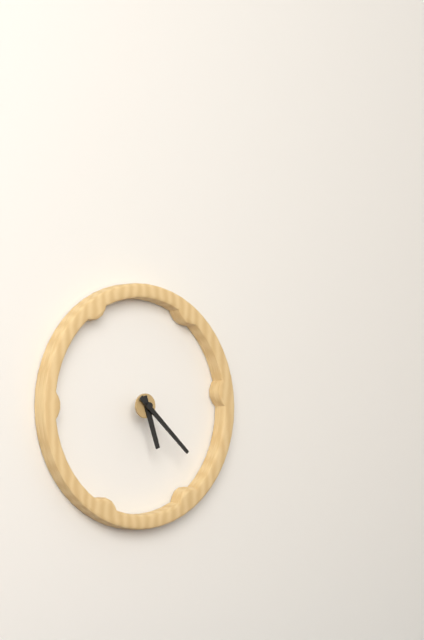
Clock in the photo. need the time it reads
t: 5:22
